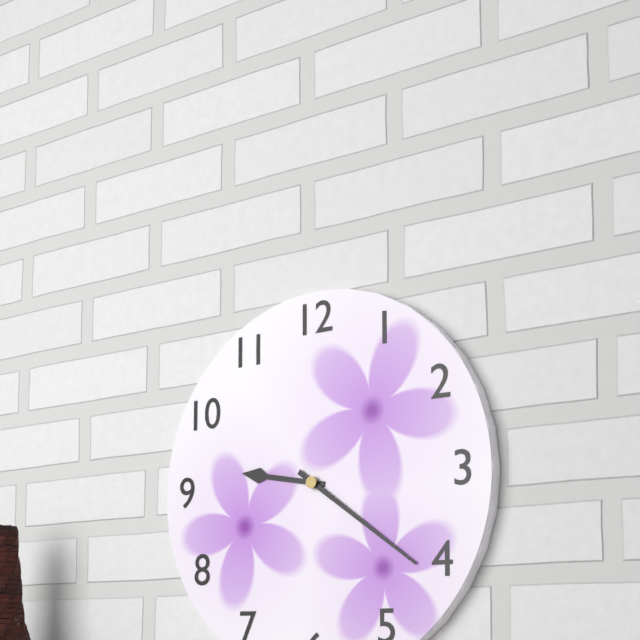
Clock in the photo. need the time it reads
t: 9:21
